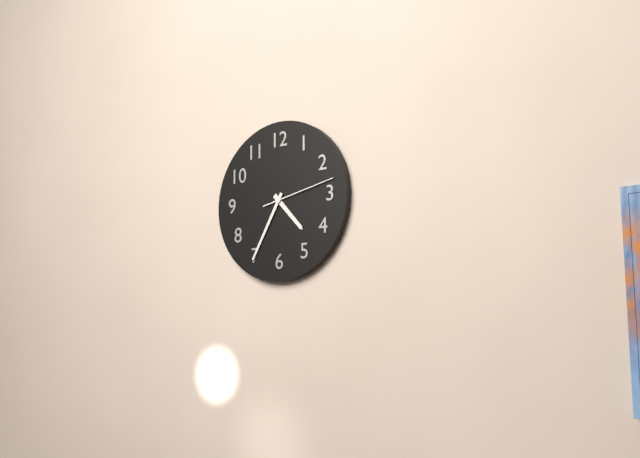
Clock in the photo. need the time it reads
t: 4:35:13
